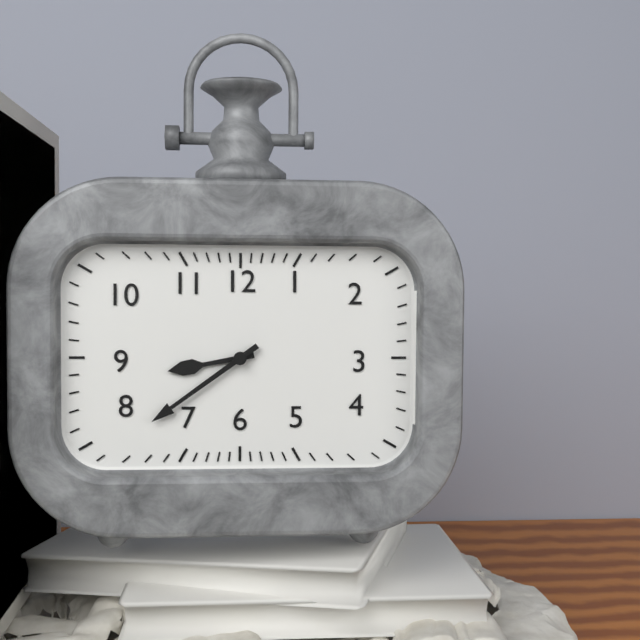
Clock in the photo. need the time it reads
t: 8:39
